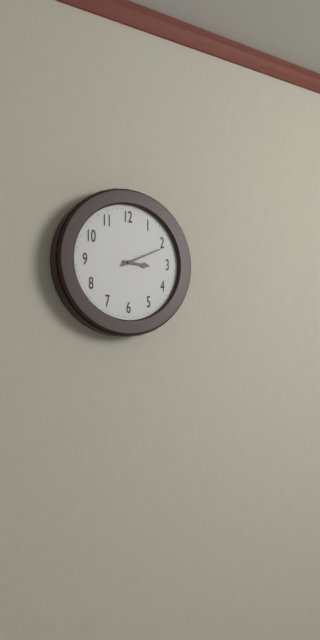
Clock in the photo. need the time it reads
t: 3:11
